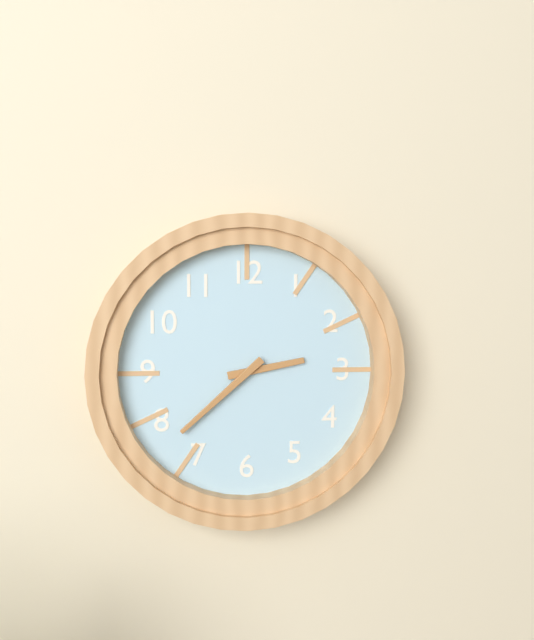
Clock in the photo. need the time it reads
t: 2:38
